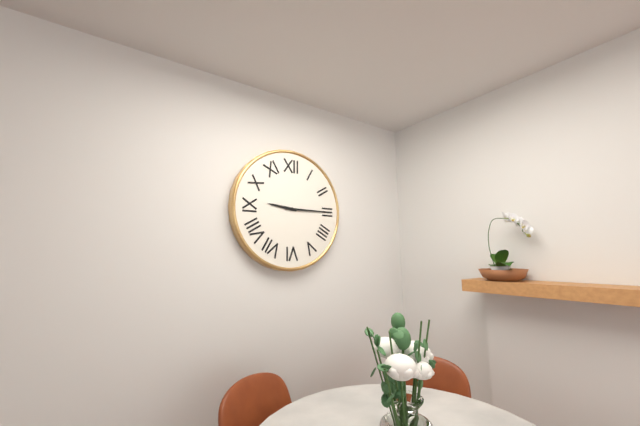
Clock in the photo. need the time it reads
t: 9:15
